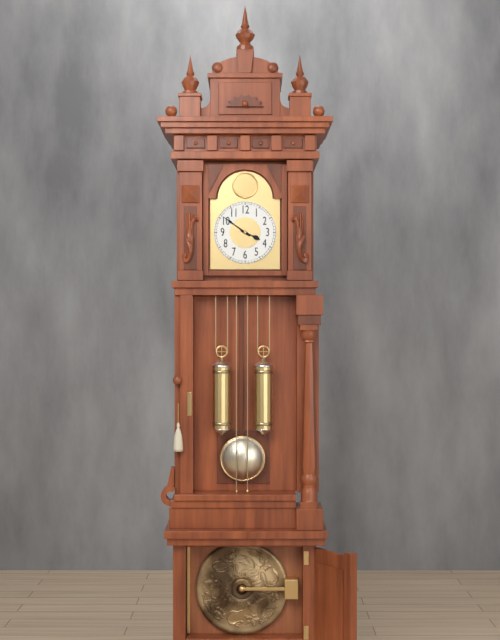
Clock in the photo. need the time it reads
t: 3:51
